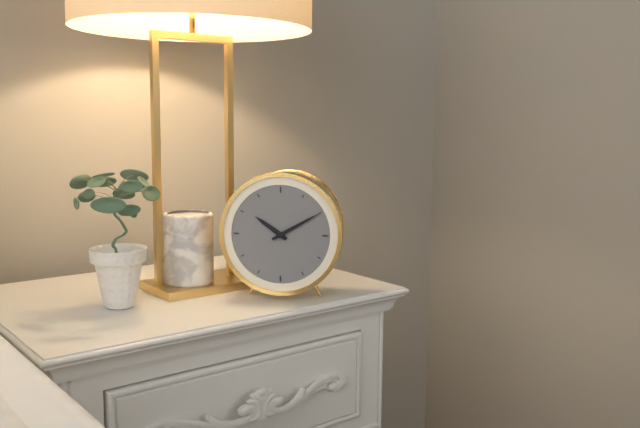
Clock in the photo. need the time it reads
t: 10:10
